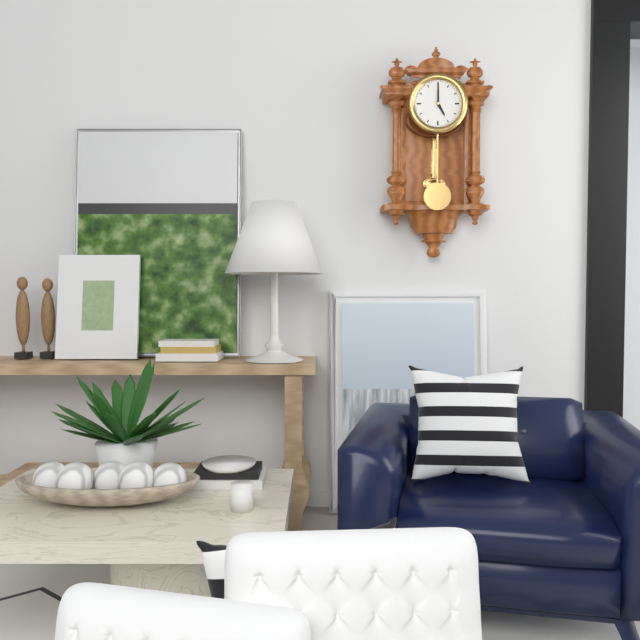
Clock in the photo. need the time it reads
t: 5:00
